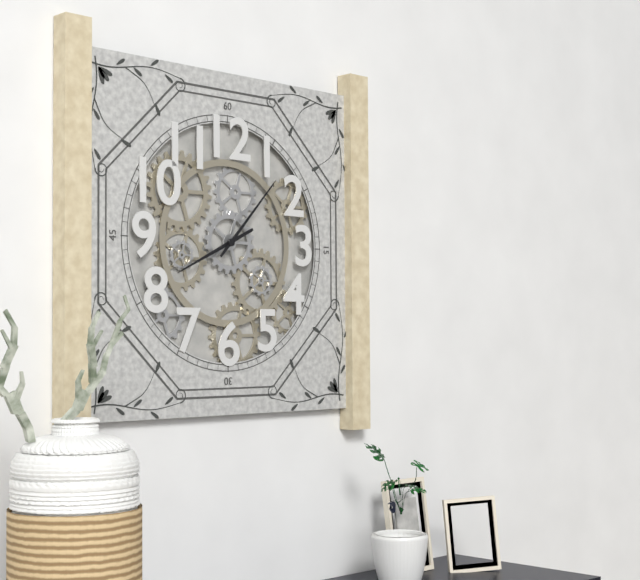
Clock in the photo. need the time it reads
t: 8:07
